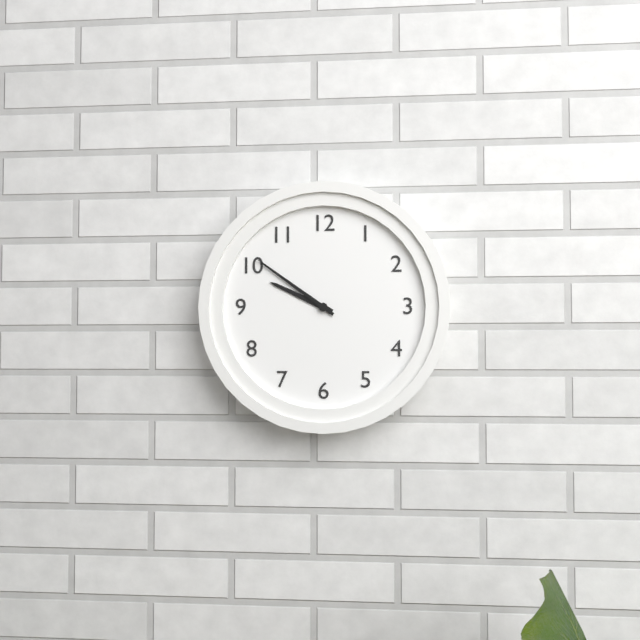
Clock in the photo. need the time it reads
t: 9:51
